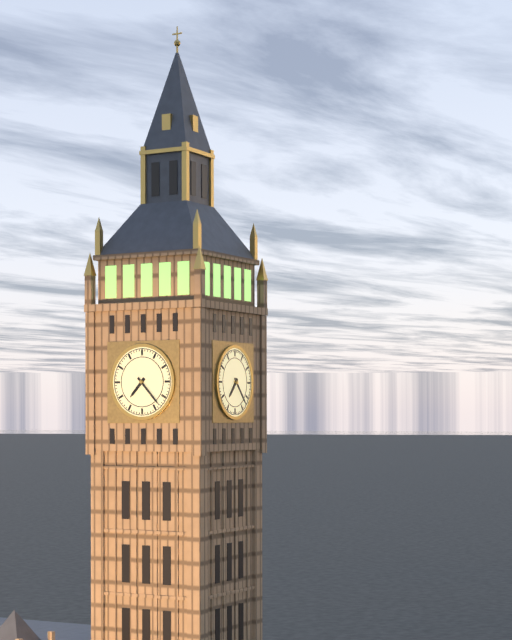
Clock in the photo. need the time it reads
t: 7:23
